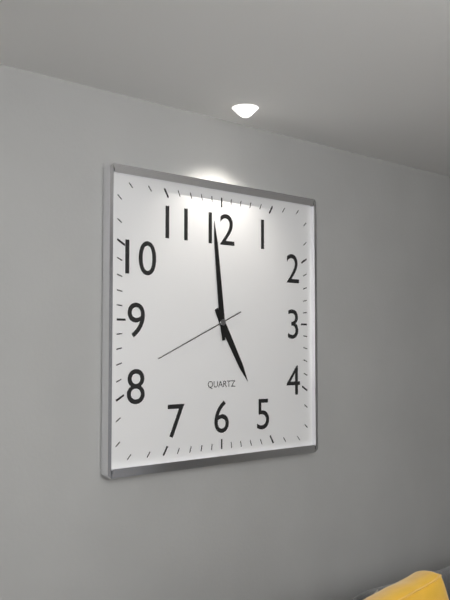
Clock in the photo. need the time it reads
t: 4:59:41
